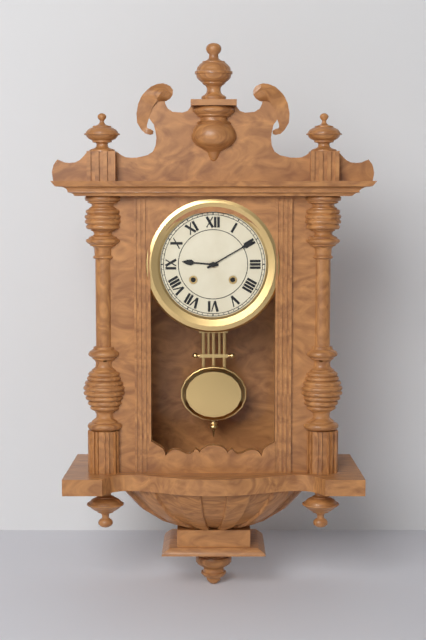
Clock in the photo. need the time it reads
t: 9:10
